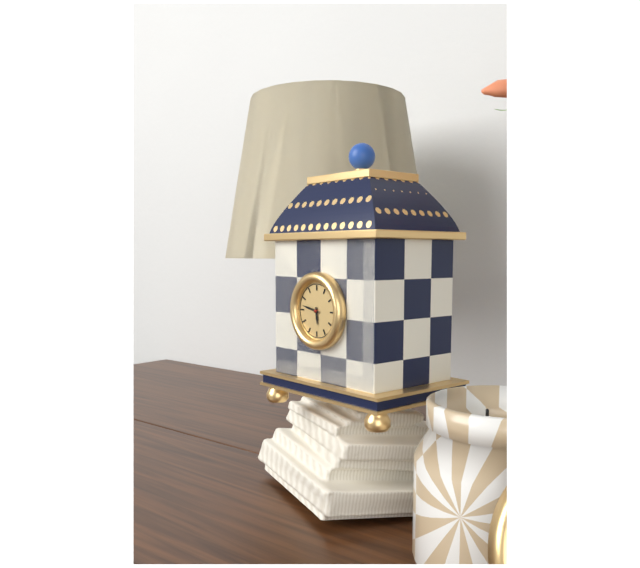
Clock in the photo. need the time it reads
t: 5:47
